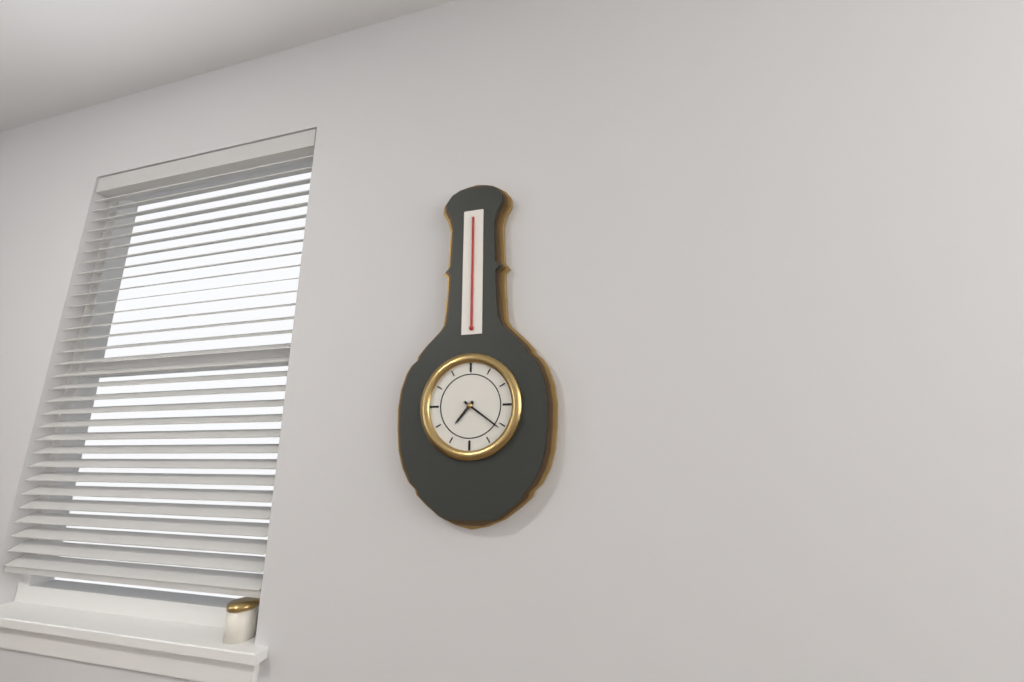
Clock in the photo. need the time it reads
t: 7:21
